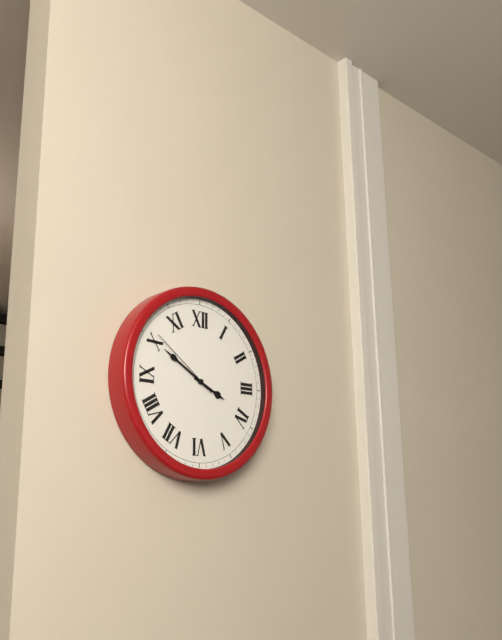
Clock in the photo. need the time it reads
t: 3:50:51
